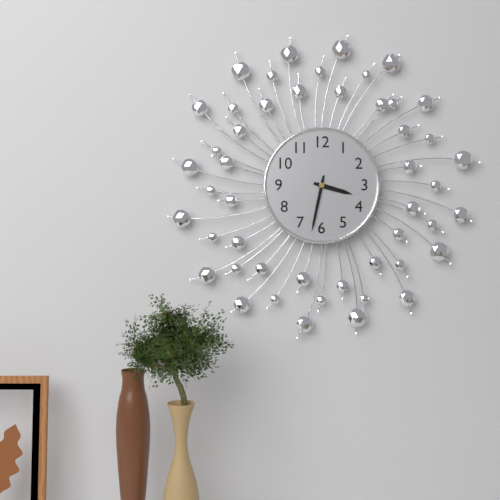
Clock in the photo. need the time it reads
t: 3:32
